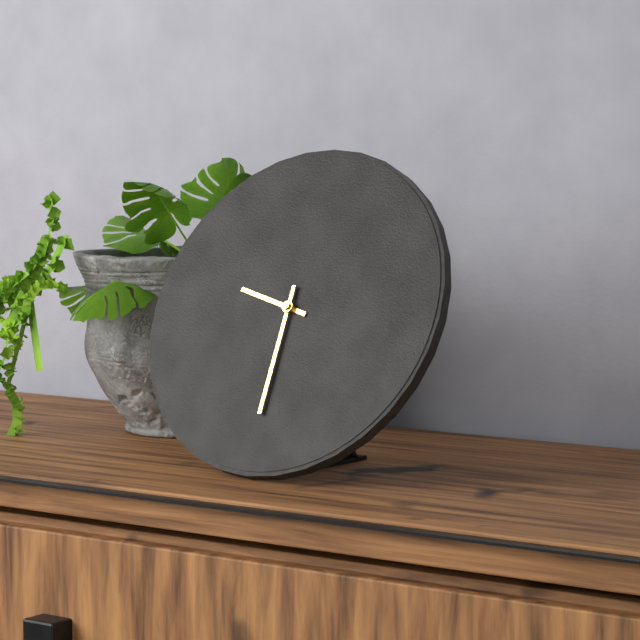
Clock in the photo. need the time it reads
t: 9:30
